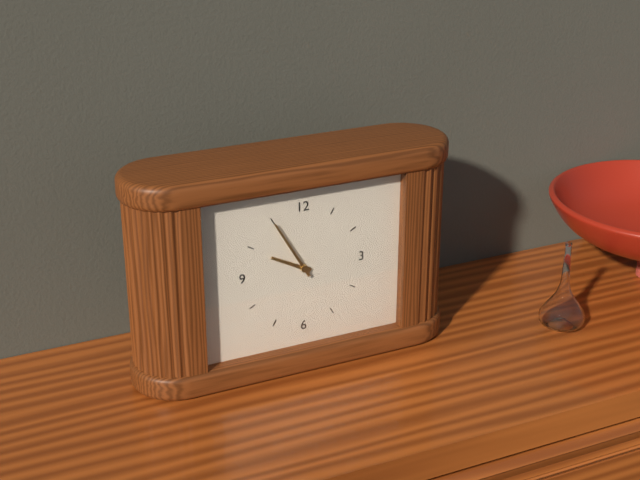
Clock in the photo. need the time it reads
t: 9:55
